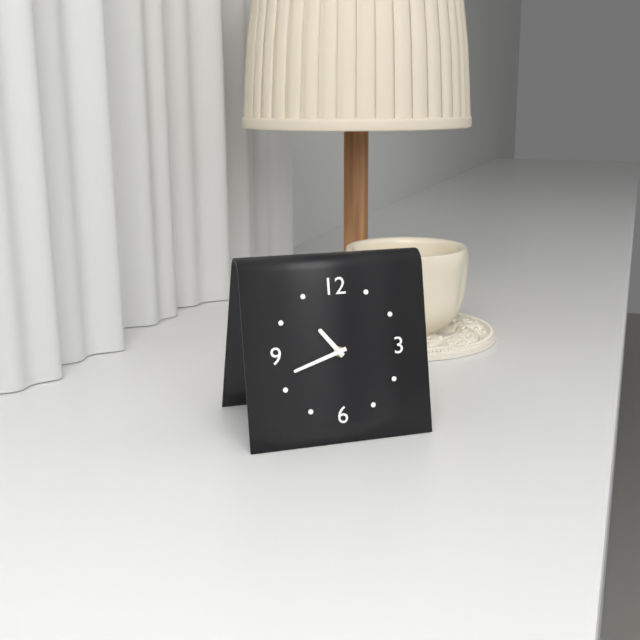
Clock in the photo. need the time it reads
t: 10:42
